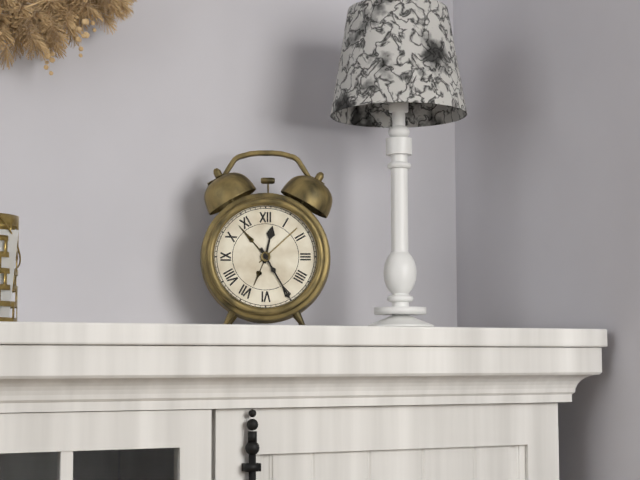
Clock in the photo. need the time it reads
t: 12:25
